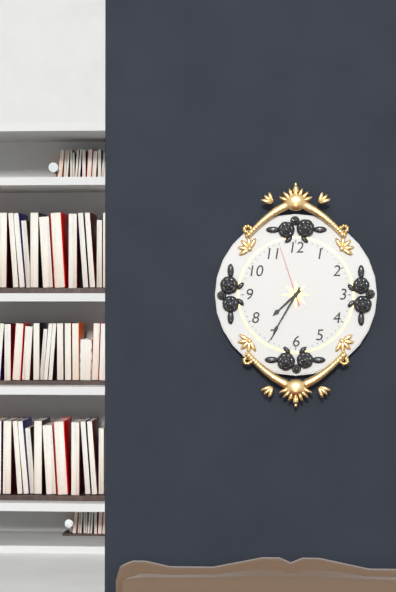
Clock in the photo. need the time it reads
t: 7:35:57
